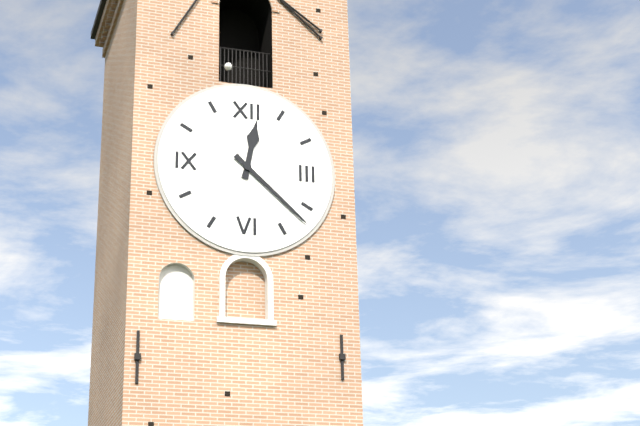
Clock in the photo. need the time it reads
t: 12:22
